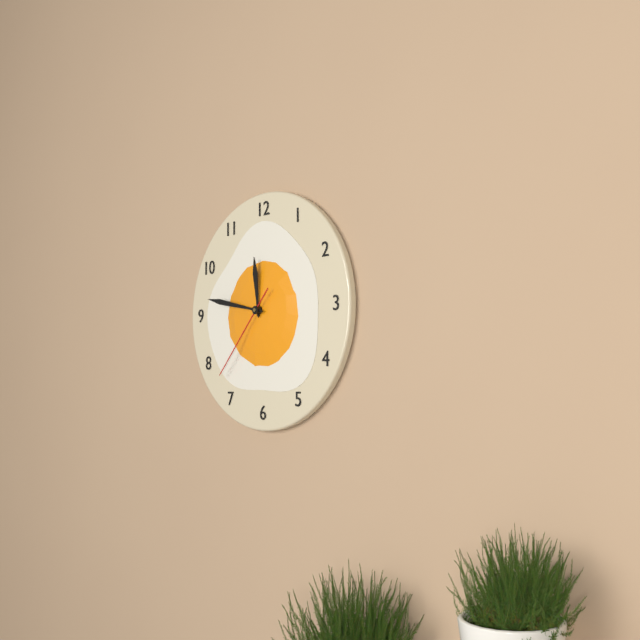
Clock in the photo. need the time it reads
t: 11:47:37
